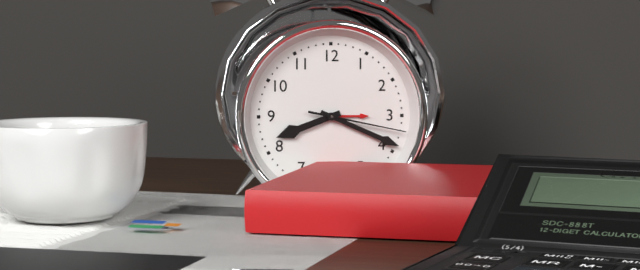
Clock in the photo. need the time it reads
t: 8:19:17
